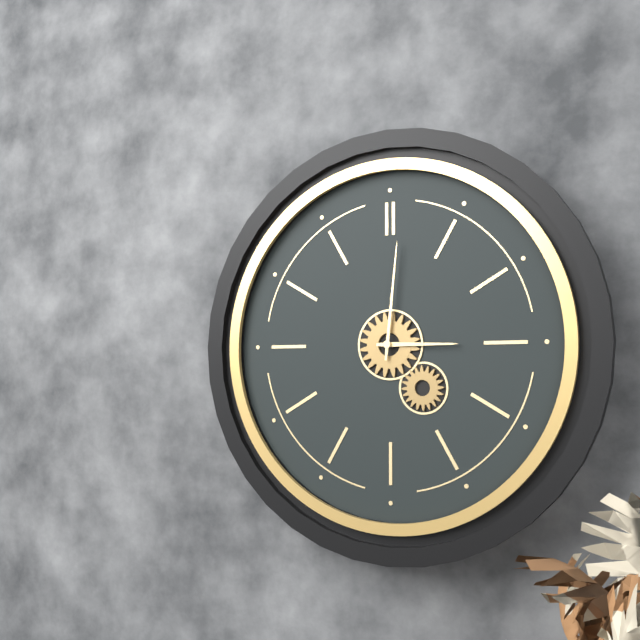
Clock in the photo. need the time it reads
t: 3:01
